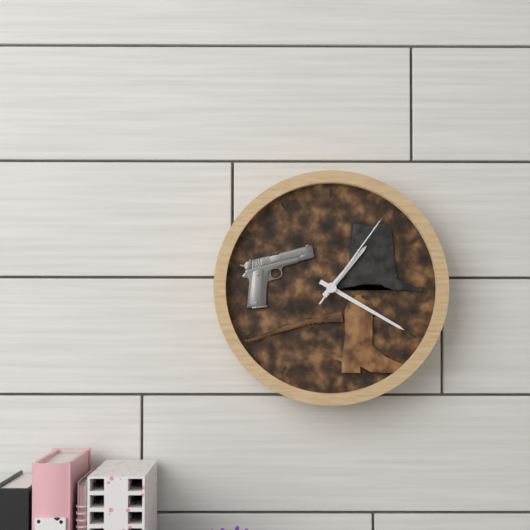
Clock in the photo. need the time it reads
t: 1:20:06
